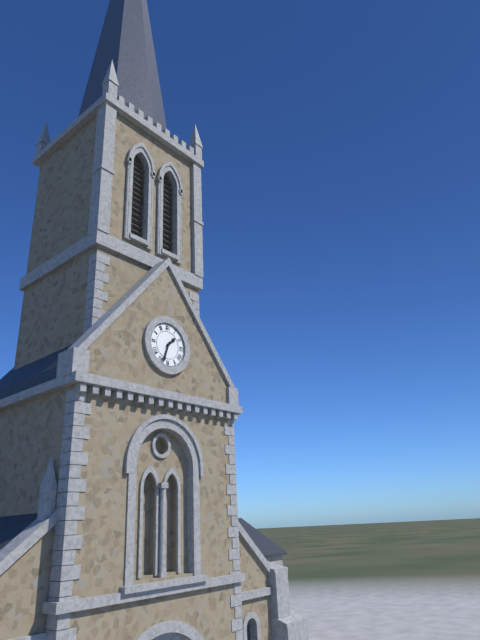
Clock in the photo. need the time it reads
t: 1:33
